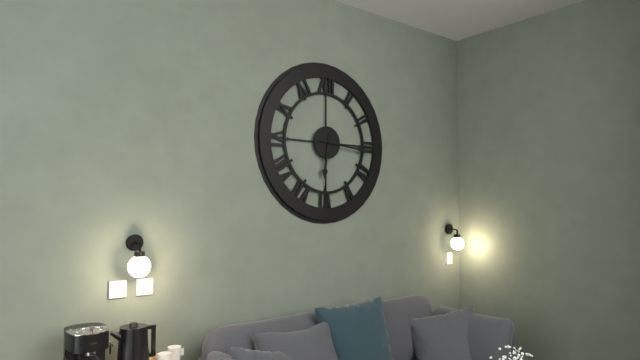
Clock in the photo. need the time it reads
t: 6:16
